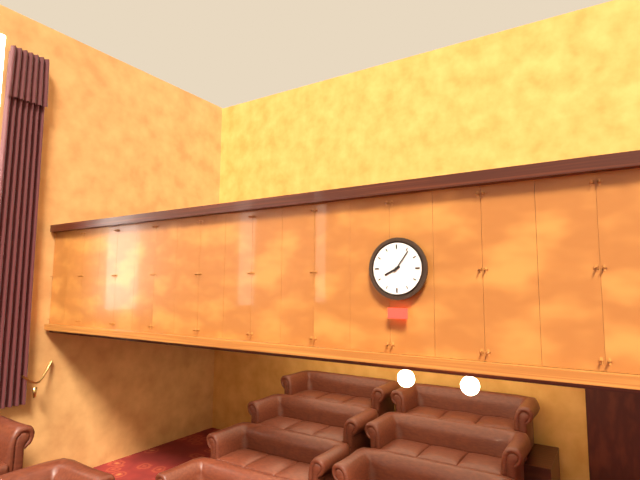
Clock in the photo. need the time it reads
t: 8:06
